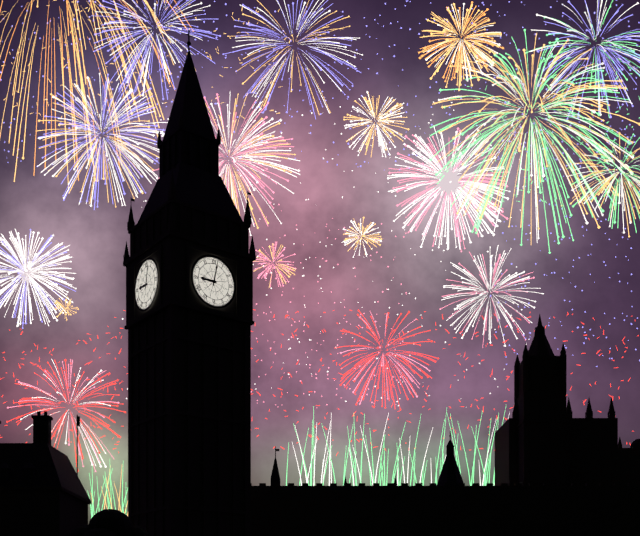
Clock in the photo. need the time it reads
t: 9:02
